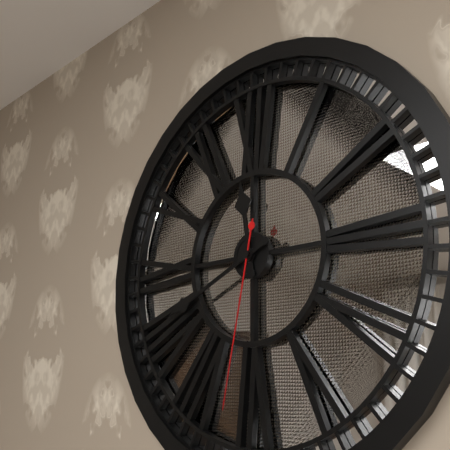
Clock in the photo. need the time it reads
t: 11:41:32
